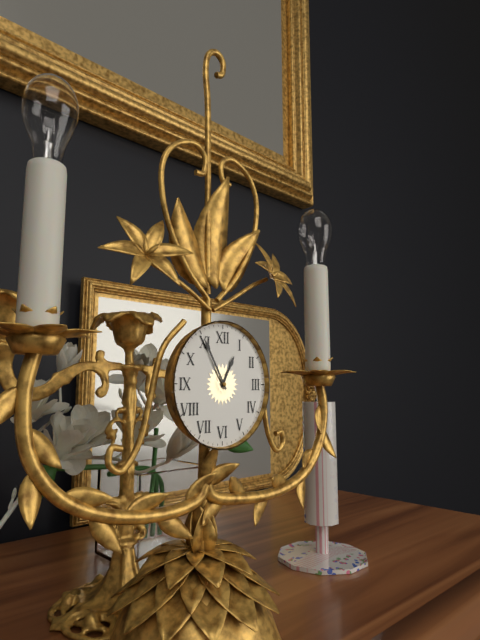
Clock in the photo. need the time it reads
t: 12:55
